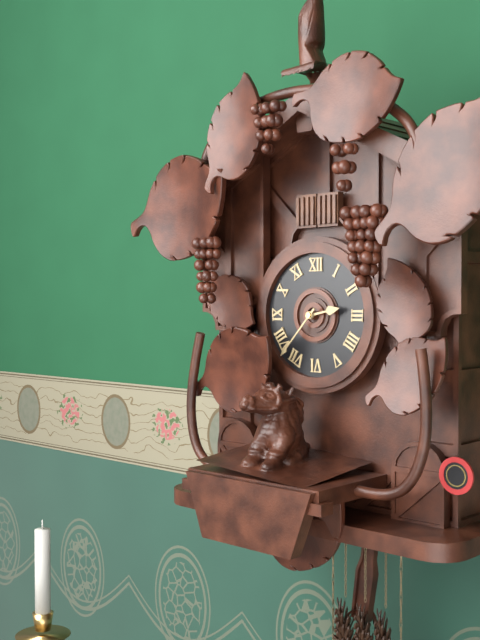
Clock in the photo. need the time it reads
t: 2:37
